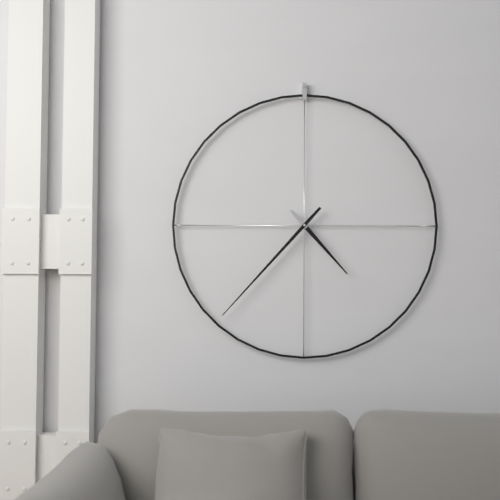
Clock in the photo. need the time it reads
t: 4:37
